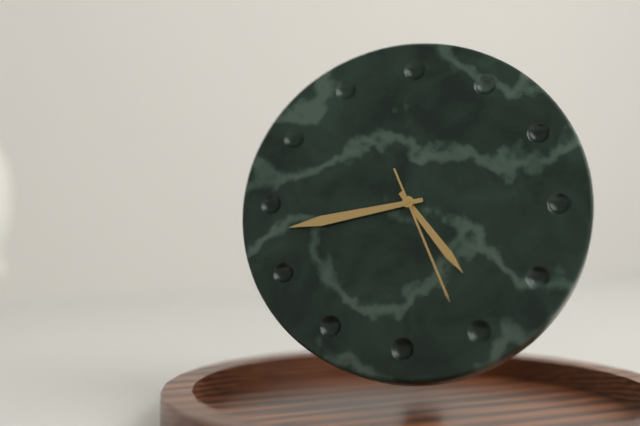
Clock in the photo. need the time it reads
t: 4:43:26
